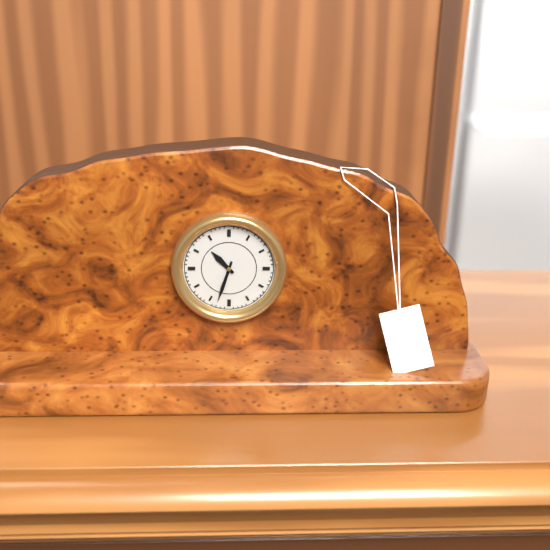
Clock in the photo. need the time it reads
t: 10:33
